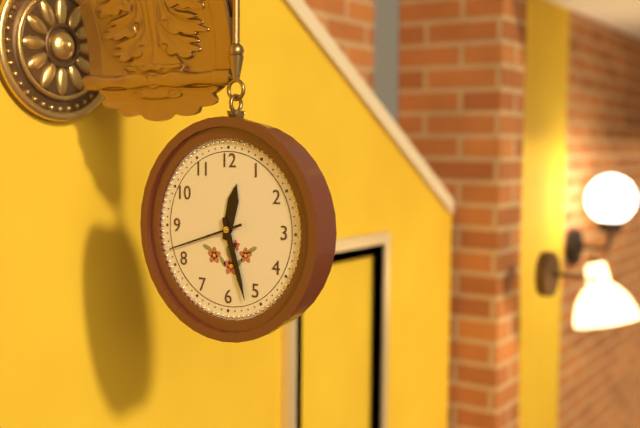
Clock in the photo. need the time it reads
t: 12:27:42
